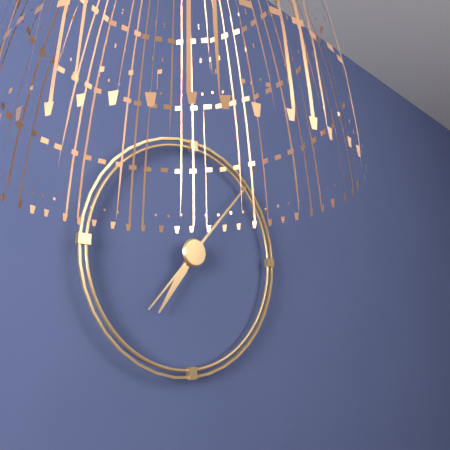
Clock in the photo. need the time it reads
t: 7:07
